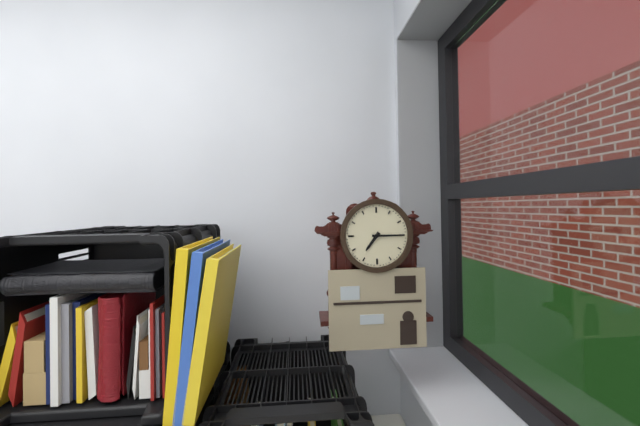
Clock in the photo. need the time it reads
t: 7:15
